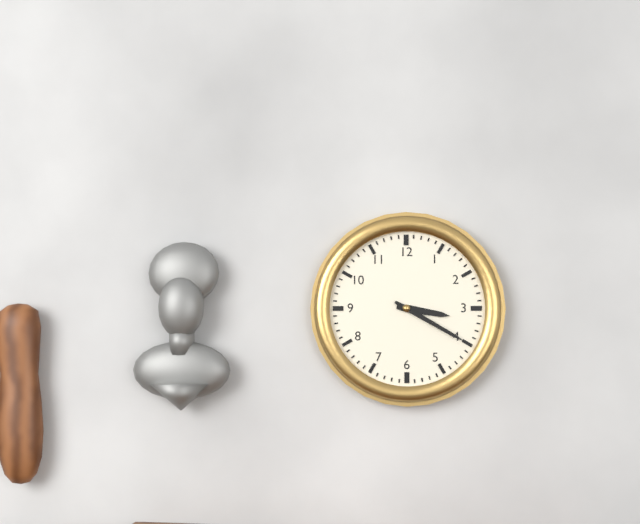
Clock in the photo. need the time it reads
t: 3:20
